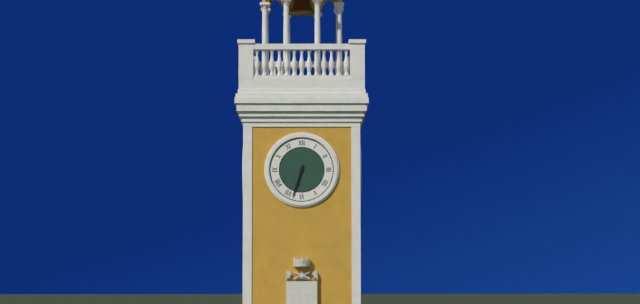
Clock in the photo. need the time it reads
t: 6:33
